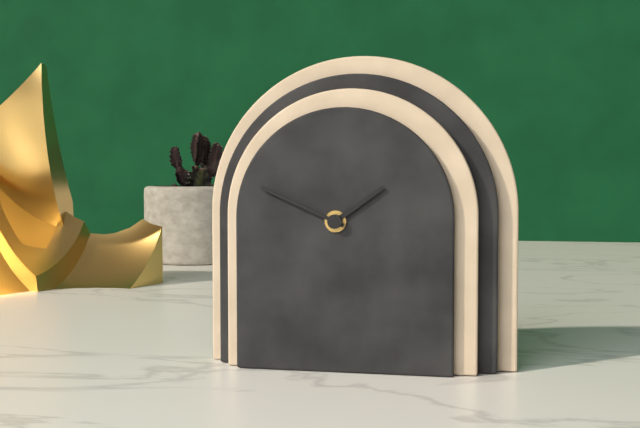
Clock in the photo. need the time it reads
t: 1:49
